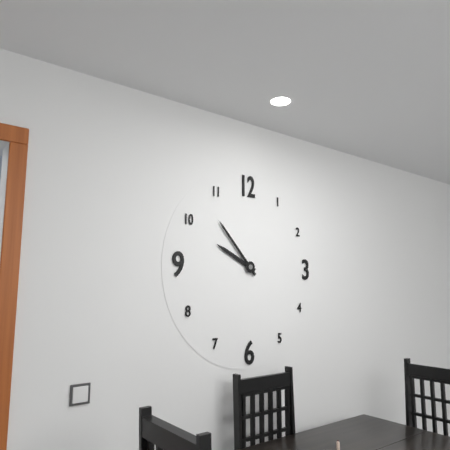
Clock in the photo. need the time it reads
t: 9:53
